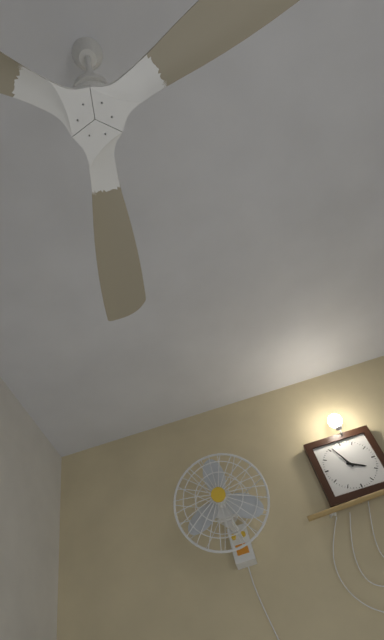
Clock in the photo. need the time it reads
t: 3:56
